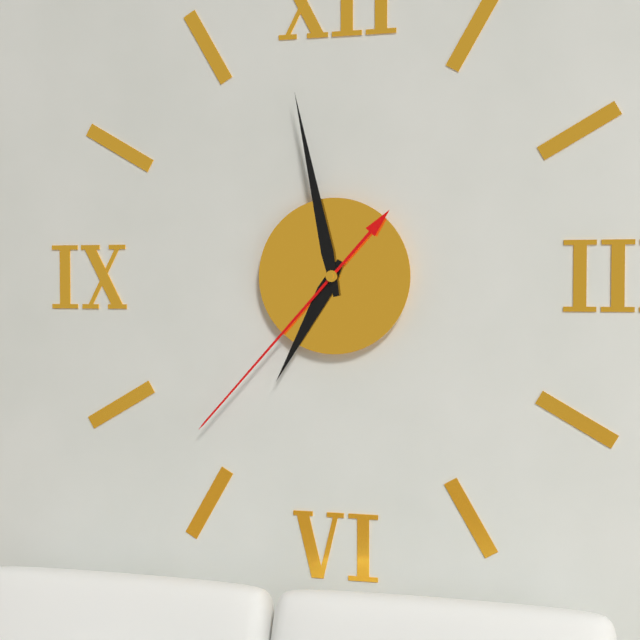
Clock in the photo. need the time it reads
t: 6:58:37
